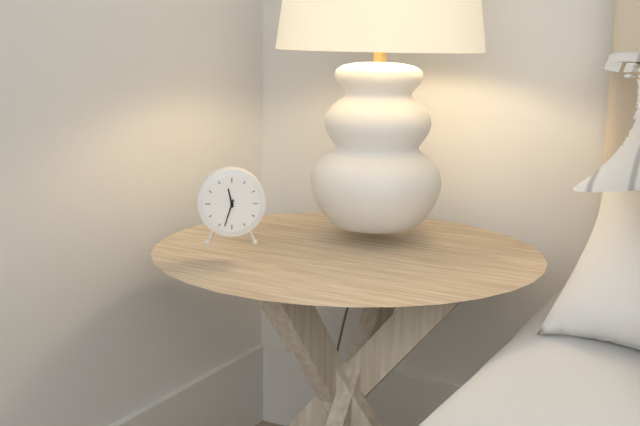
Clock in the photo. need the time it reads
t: 11:33
